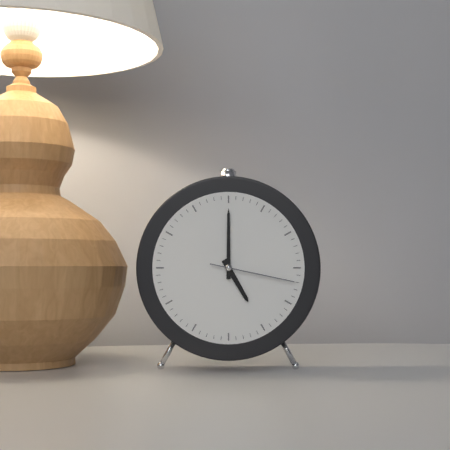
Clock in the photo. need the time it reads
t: 5:00:17
